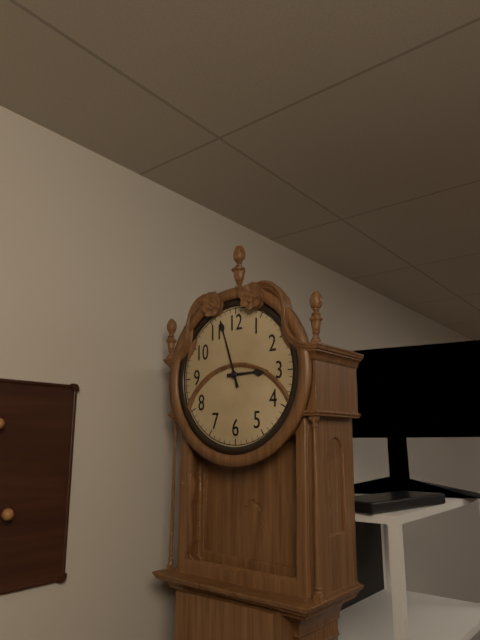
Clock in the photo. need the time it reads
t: 2:57
